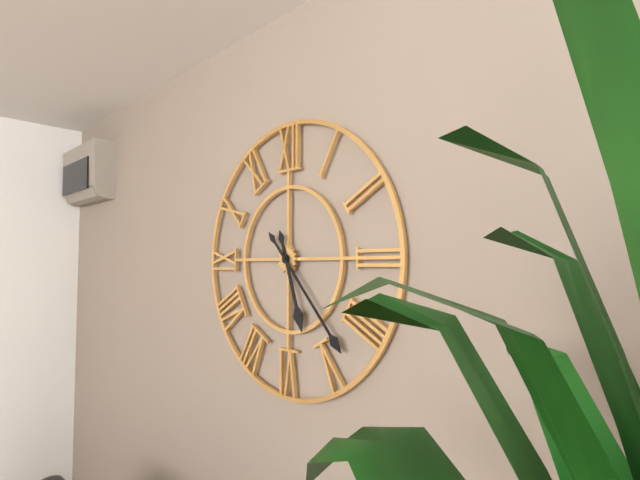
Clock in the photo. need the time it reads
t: 5:23
